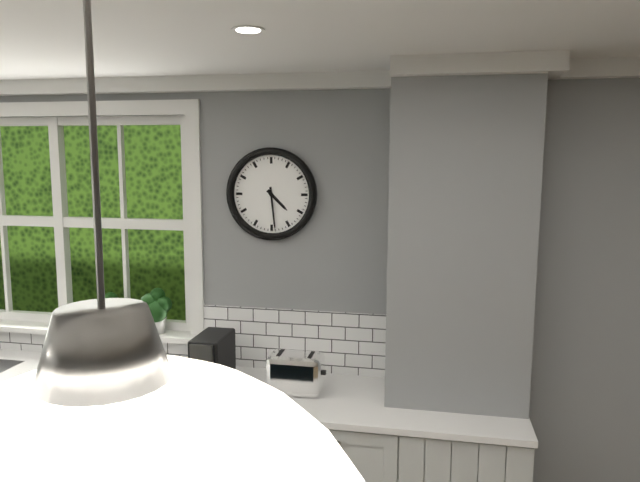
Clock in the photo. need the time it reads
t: 4:29
